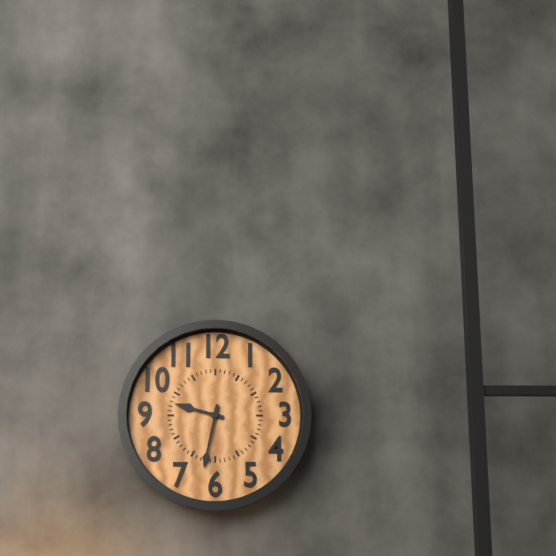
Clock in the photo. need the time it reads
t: 9:32
